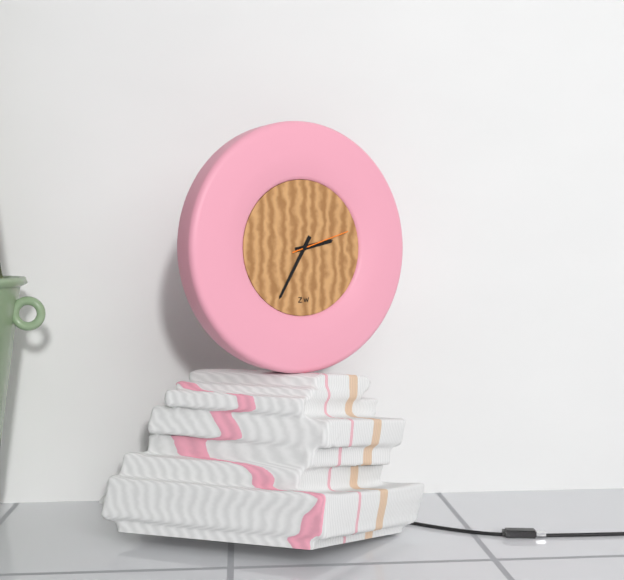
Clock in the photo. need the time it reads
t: 2:35:12
